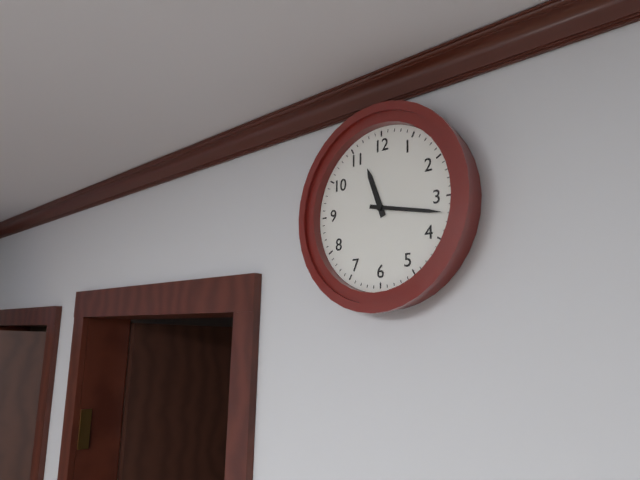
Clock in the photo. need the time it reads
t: 11:17
